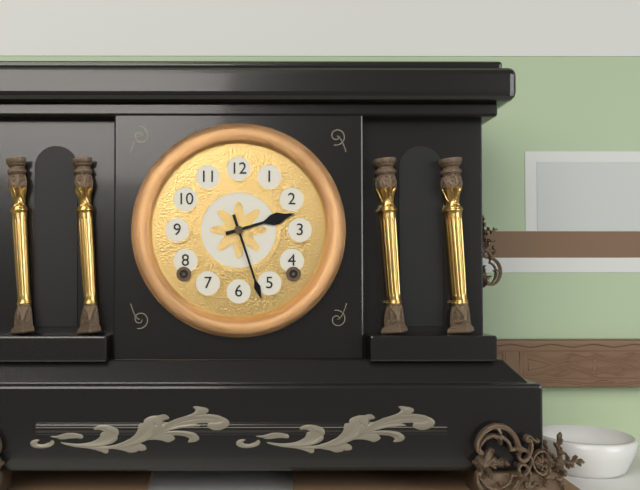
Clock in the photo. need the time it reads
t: 2:27
